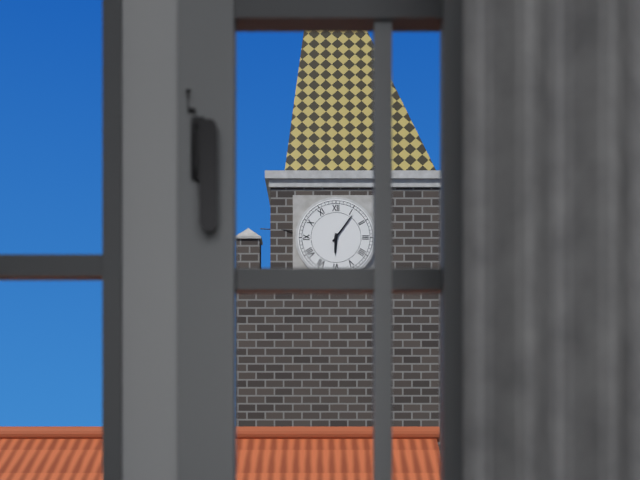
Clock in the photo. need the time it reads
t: 6:06
